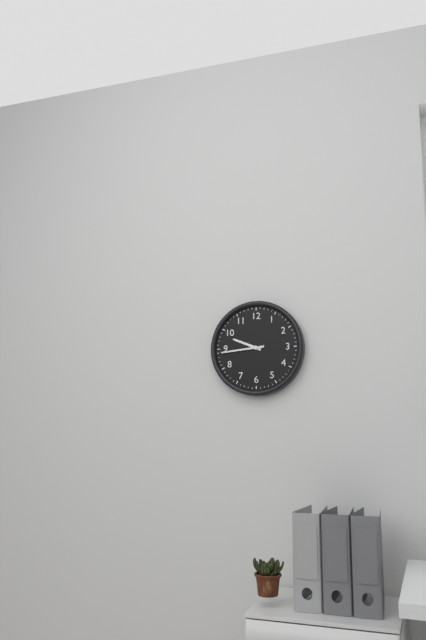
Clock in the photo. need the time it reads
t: 9:44
